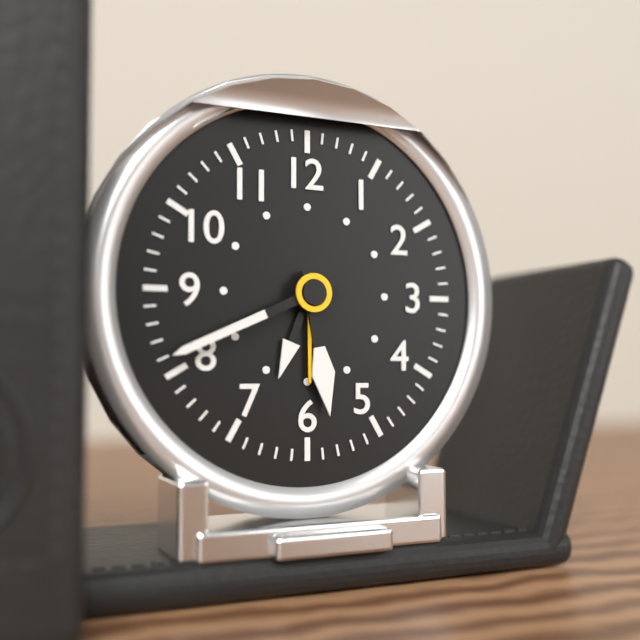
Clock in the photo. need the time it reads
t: 5:41
